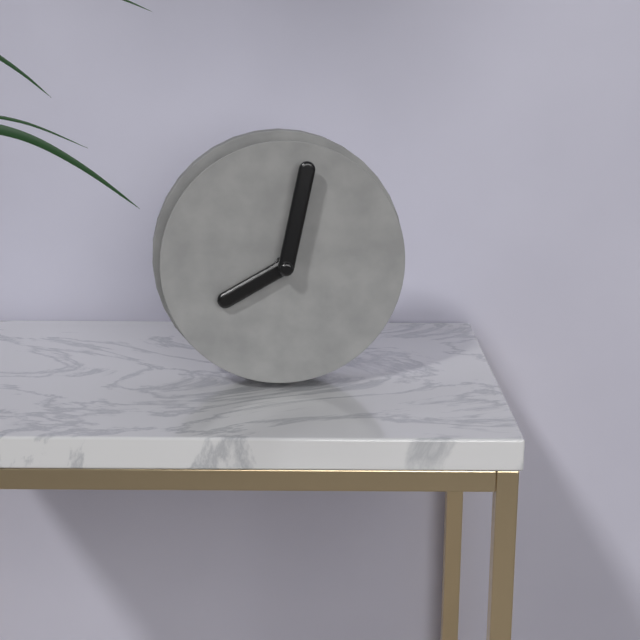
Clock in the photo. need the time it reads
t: 8:02
